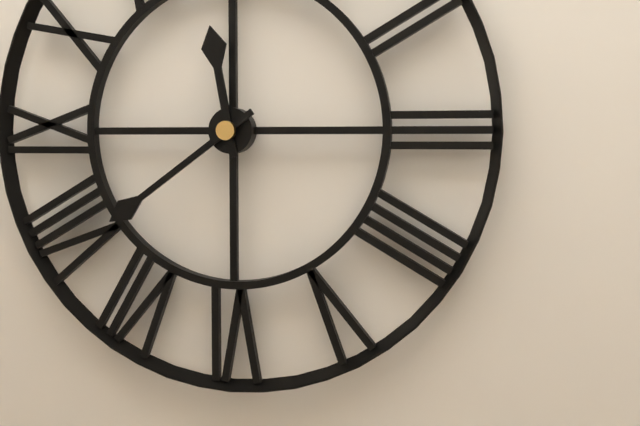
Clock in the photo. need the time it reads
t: 11:39
